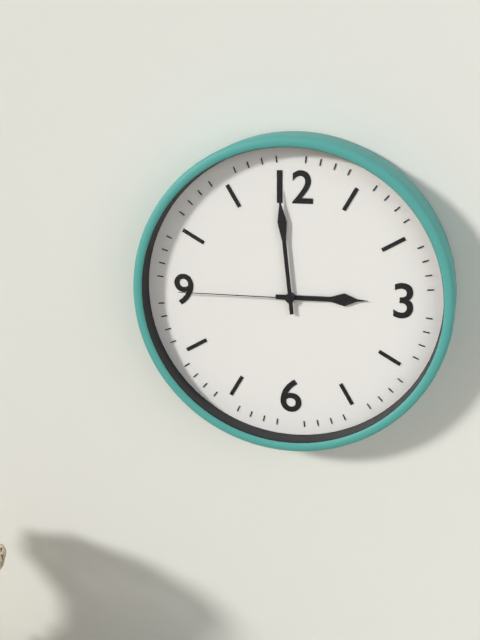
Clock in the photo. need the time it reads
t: 2:59:45
